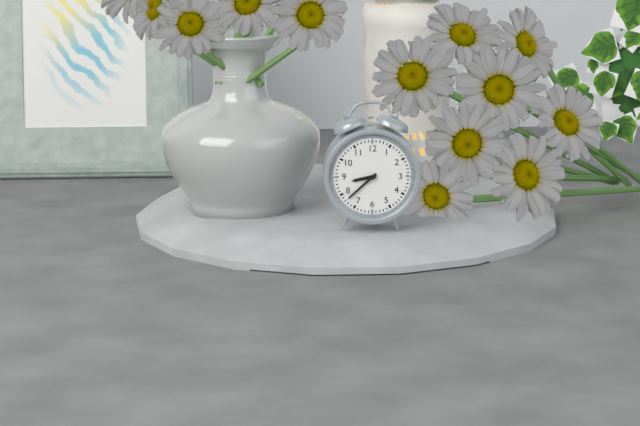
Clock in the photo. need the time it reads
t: 8:38
